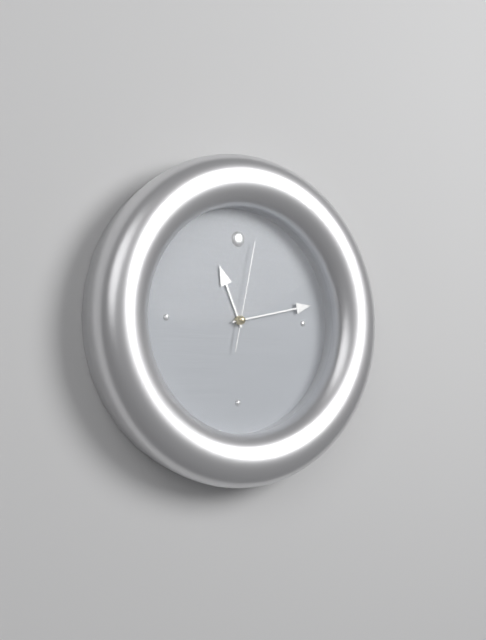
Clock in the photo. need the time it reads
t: 11:13:02
